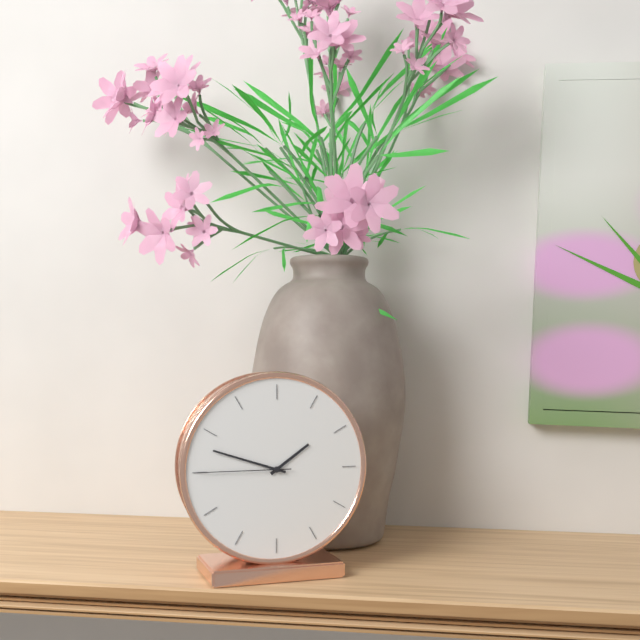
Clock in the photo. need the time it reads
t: 1:48:45
